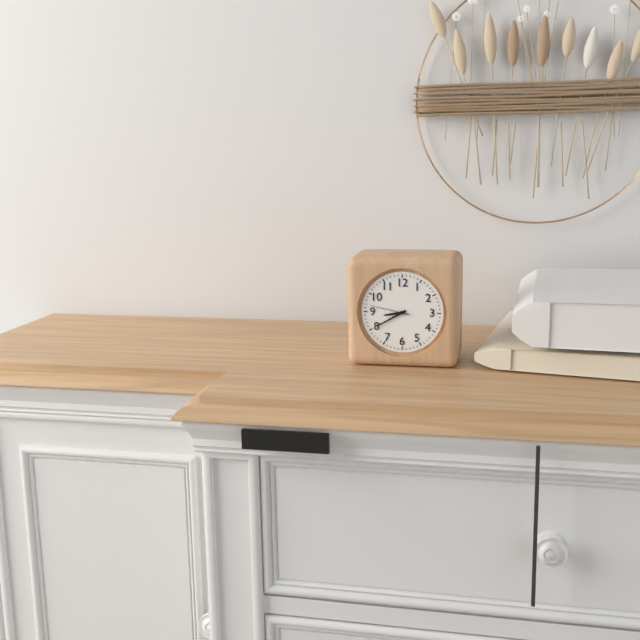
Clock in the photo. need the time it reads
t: 8:40
